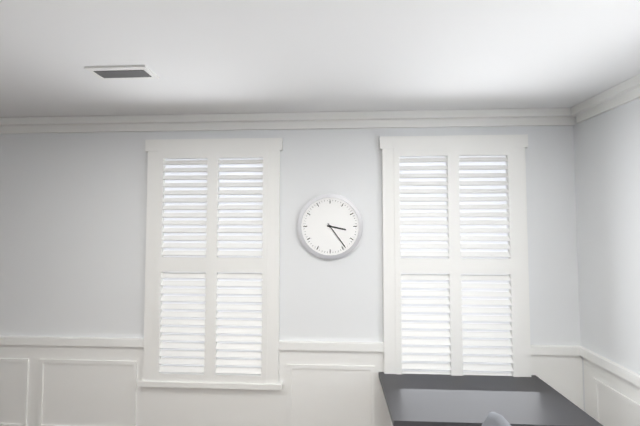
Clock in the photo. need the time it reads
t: 3:24
